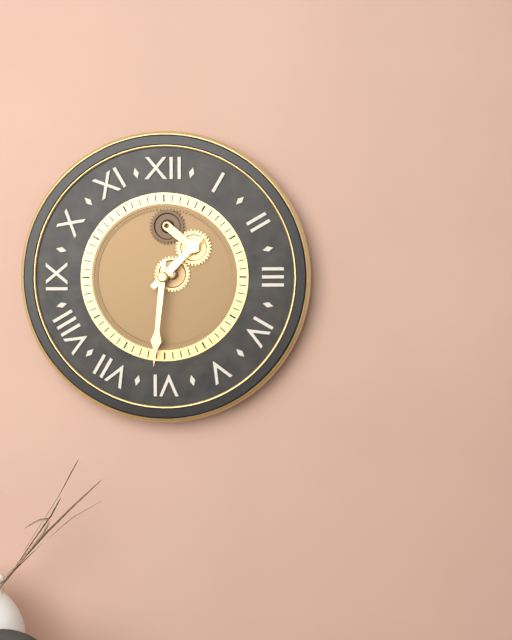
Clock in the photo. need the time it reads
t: 1:31
